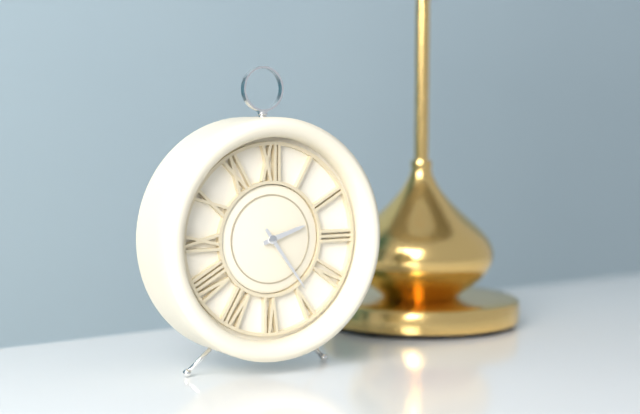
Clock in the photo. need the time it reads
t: 2:24
